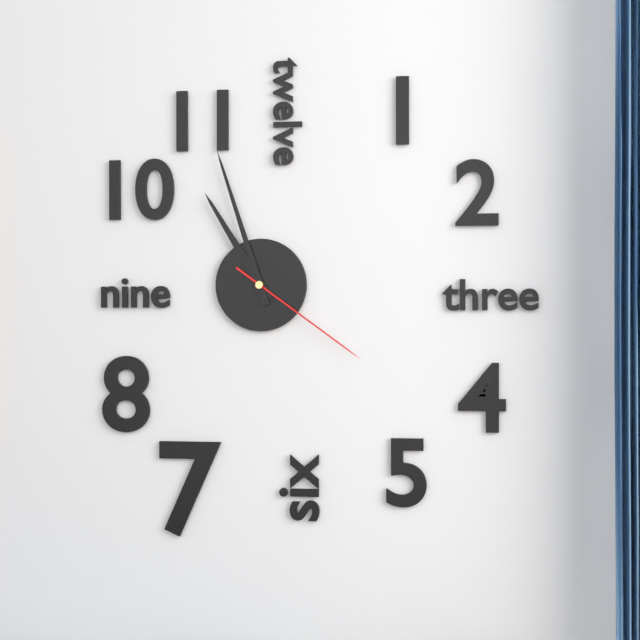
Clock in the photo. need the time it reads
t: 10:57:21
